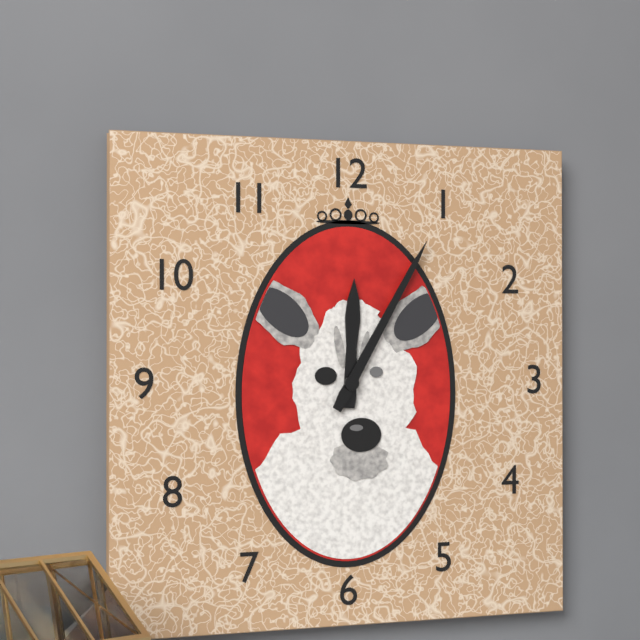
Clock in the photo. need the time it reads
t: 12:05
